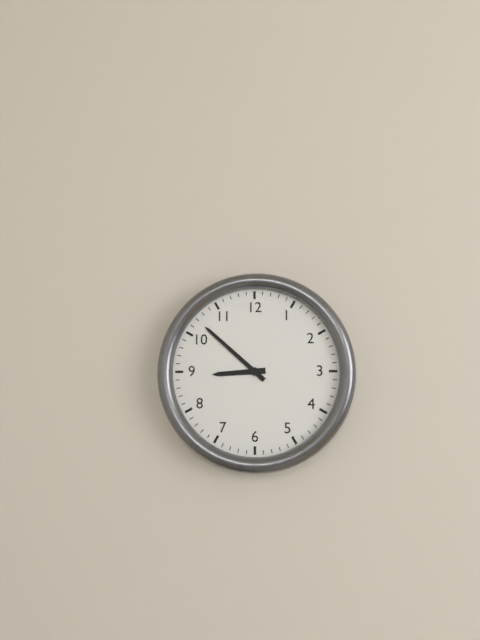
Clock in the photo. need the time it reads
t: 8:52
